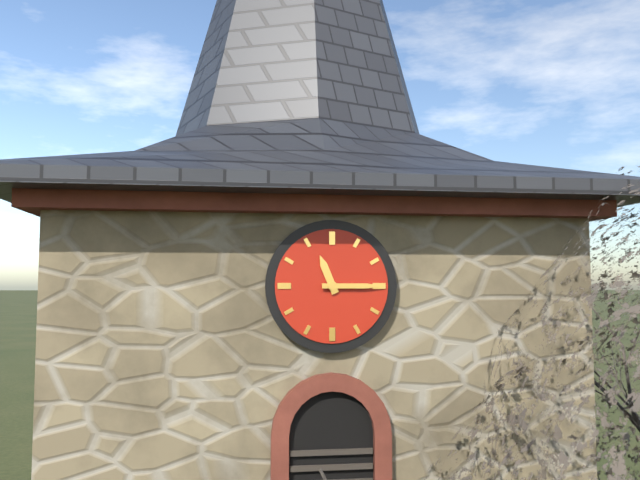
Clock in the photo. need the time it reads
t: 11:15
